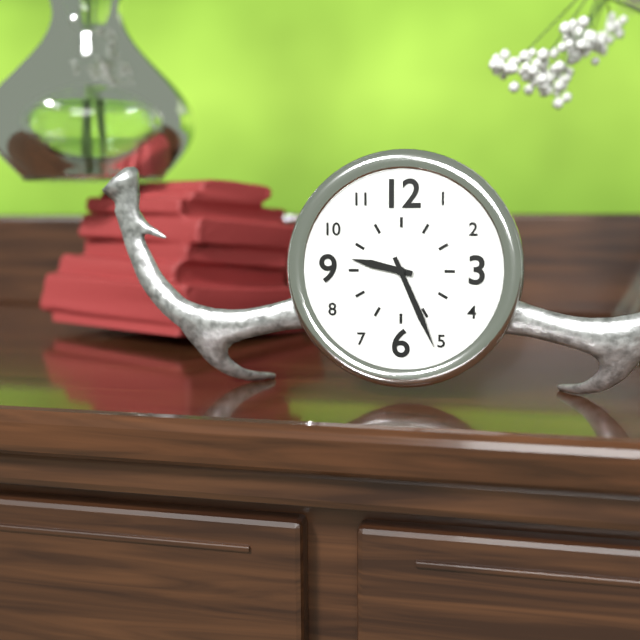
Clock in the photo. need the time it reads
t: 9:26
